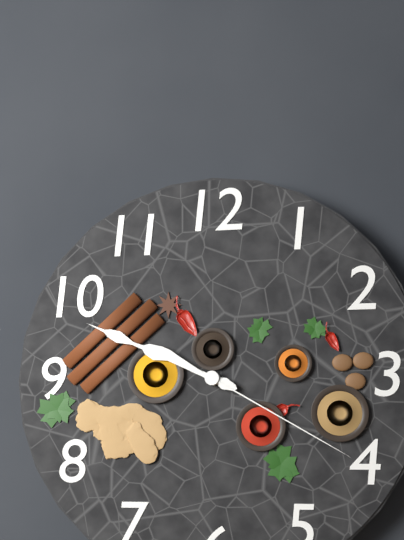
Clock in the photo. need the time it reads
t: 9:49:20
